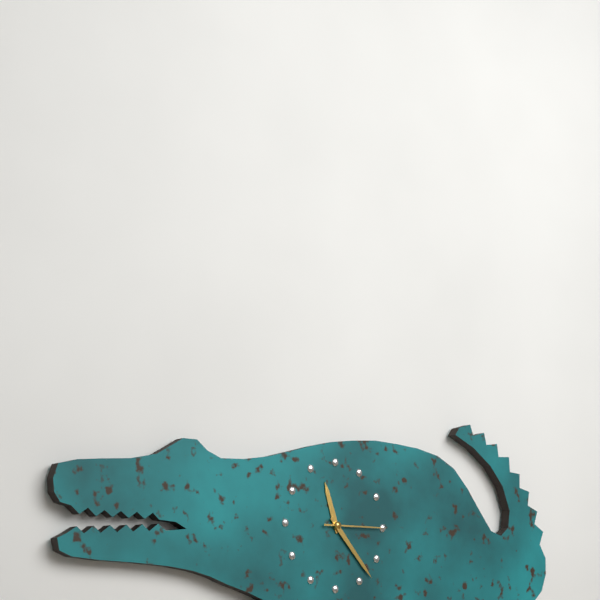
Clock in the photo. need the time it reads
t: 11:23:15
